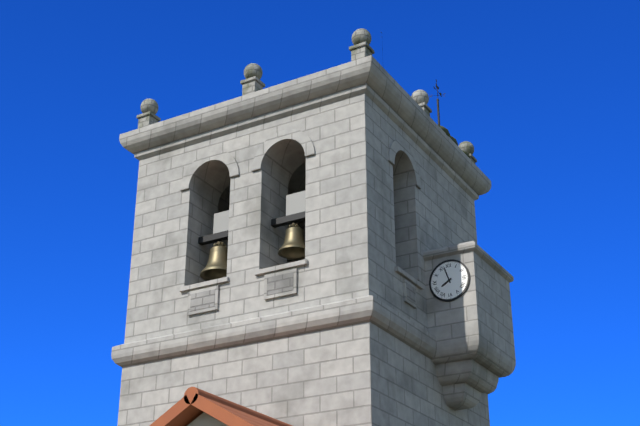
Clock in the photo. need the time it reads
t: 7:57
